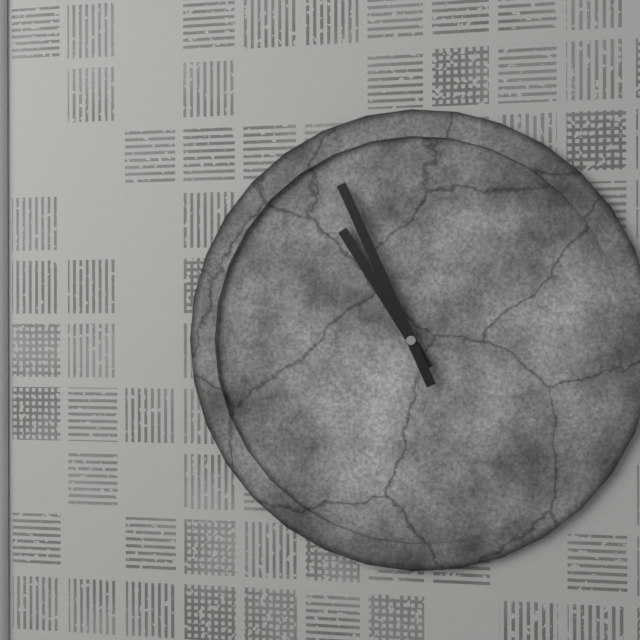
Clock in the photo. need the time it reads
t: 10:56
